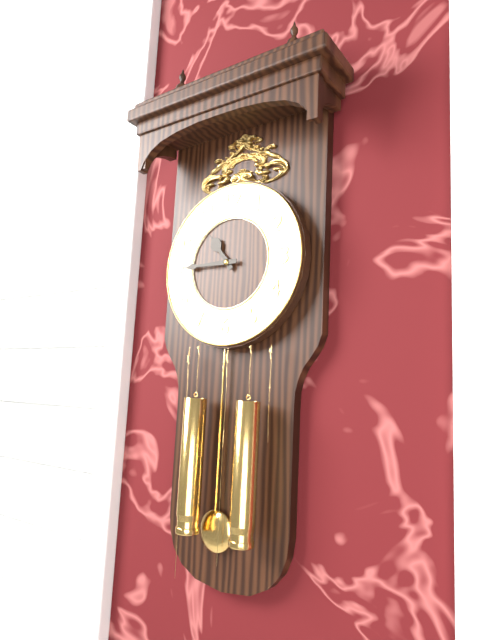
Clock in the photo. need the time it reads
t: 10:45
